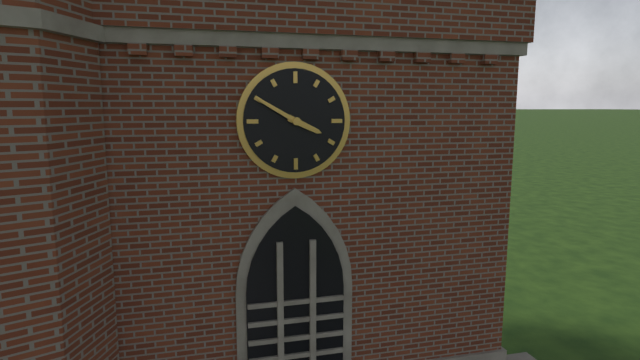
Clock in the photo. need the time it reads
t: 3:50
